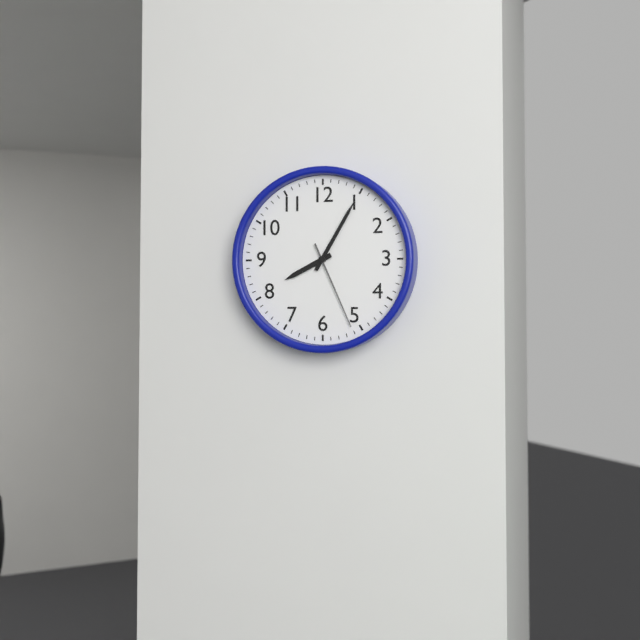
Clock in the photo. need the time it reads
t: 8:05:26
